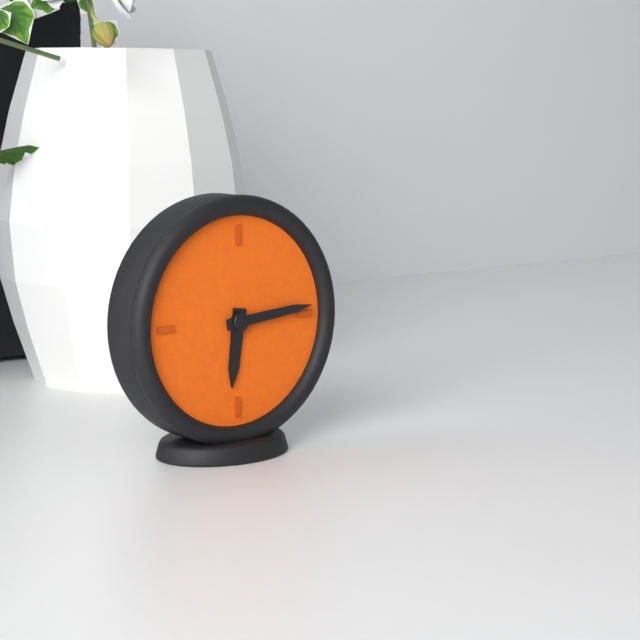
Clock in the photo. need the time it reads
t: 6:14
